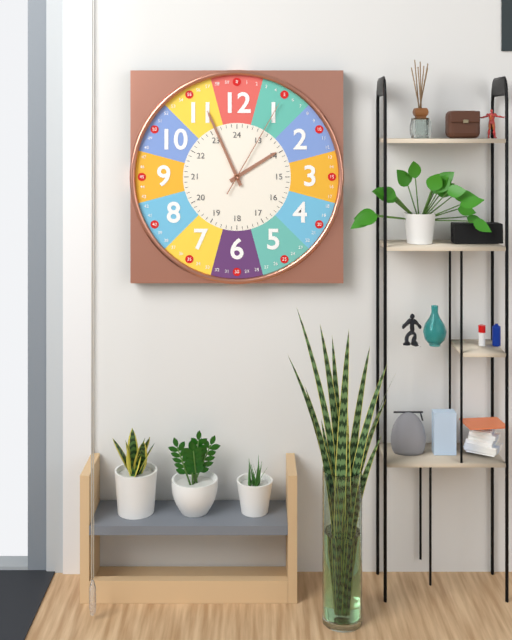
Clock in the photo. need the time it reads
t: 1:56:05
